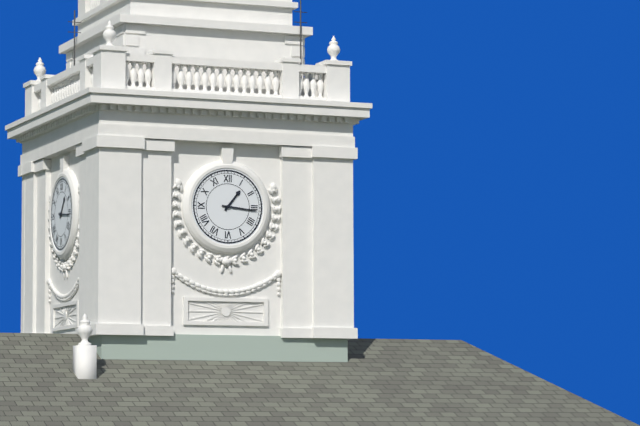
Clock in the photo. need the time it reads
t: 1:16
